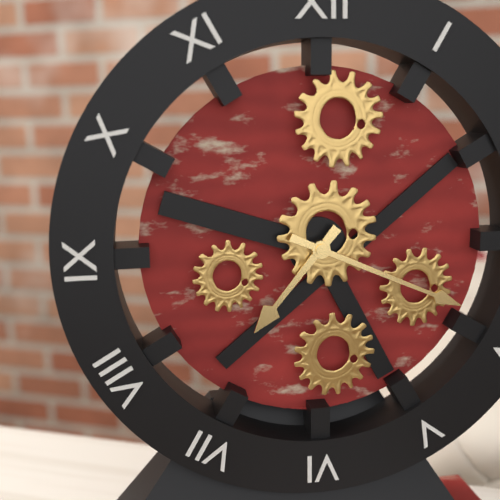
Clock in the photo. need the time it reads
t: 7:19
